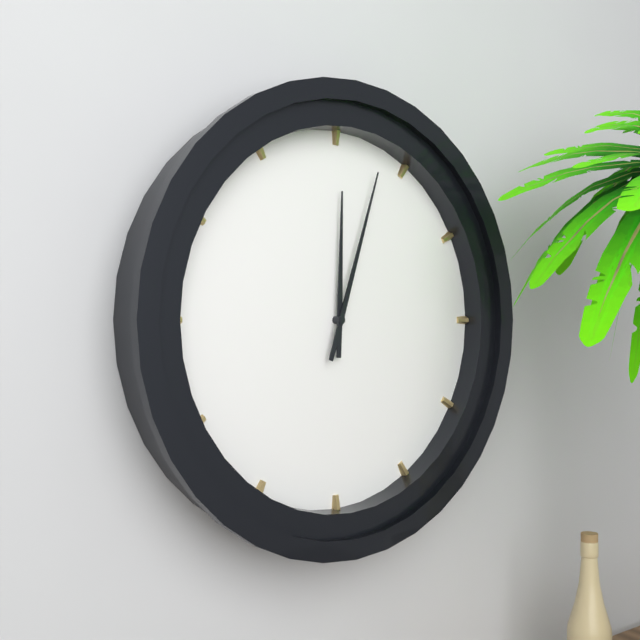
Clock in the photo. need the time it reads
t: 12:03
